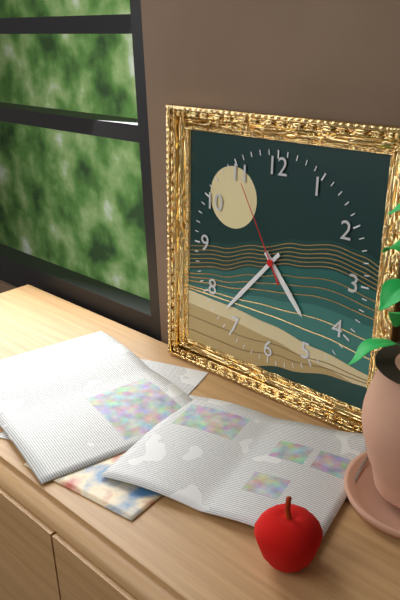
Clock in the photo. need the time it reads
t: 4:37:55
